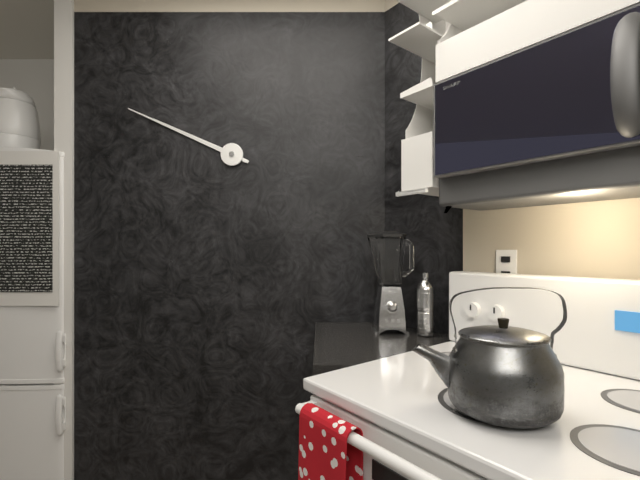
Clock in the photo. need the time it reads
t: 9:49
